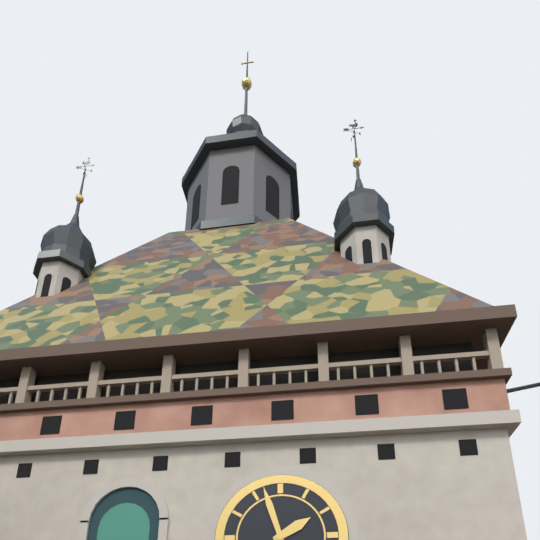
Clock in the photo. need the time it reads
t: 1:57
